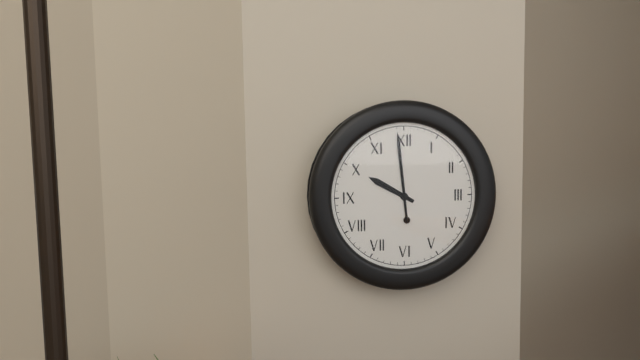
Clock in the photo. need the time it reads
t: 9:59
